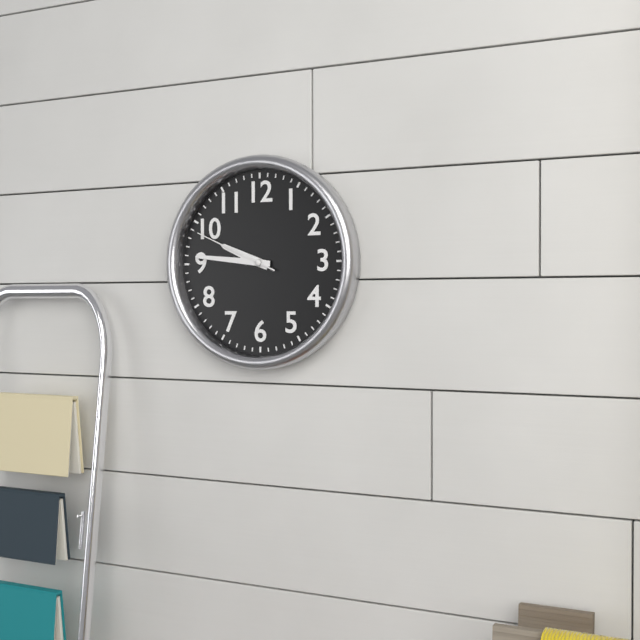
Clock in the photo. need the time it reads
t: 9:46:49
